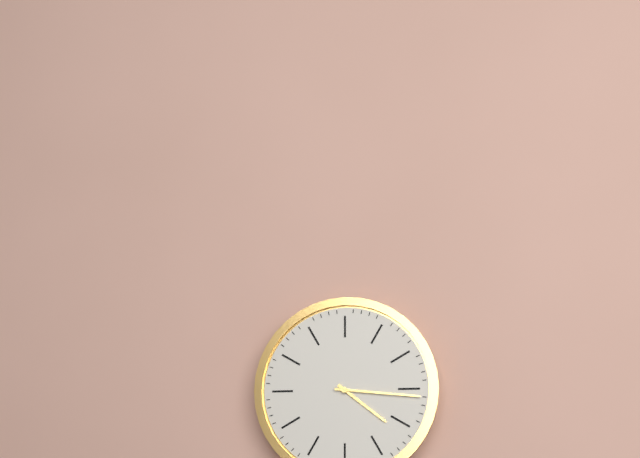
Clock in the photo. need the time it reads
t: 4:16
